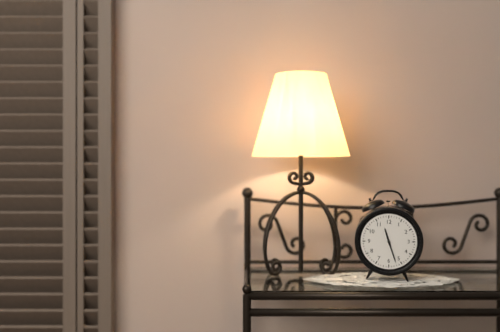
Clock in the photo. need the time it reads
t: 11:27
